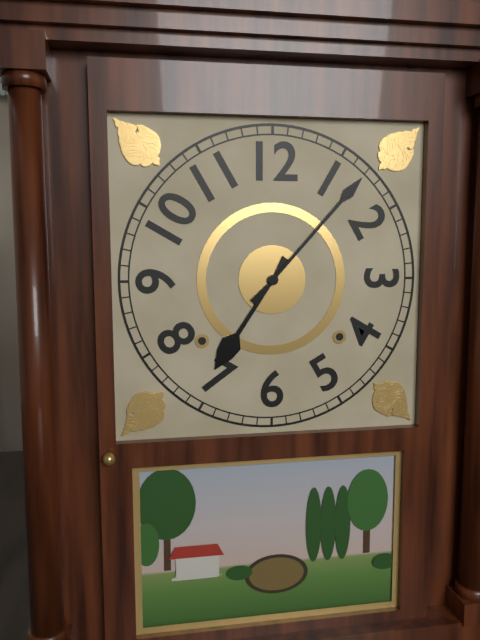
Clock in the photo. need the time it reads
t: 7:07
